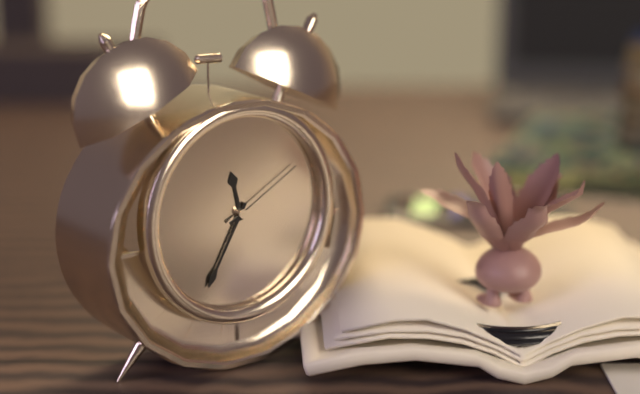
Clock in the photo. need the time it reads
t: 11:35:10
